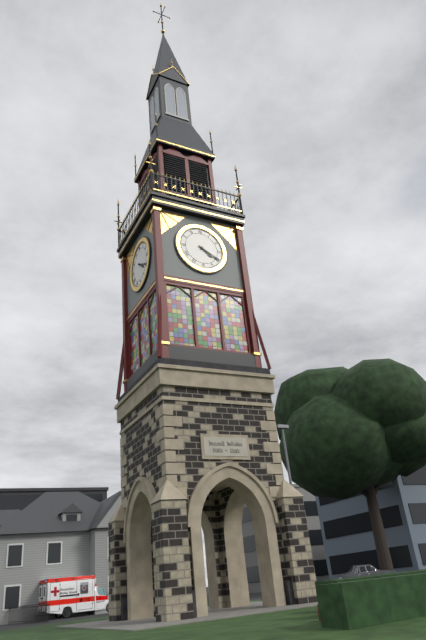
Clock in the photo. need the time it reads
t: 4:20
